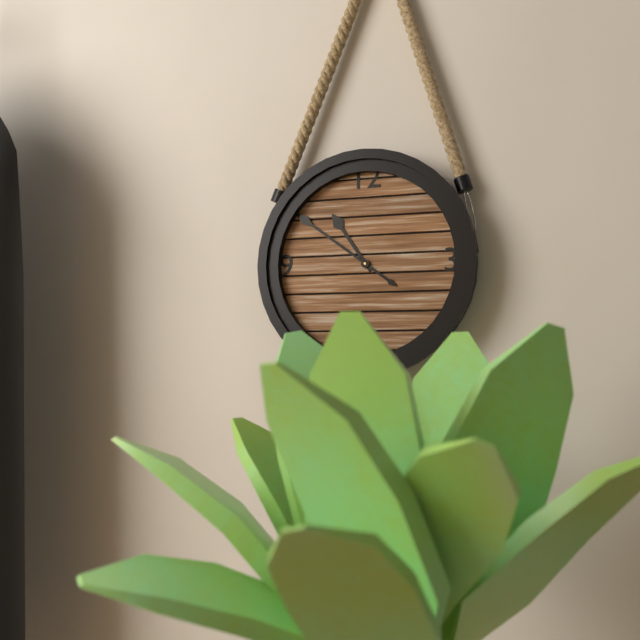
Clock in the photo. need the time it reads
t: 10:51
